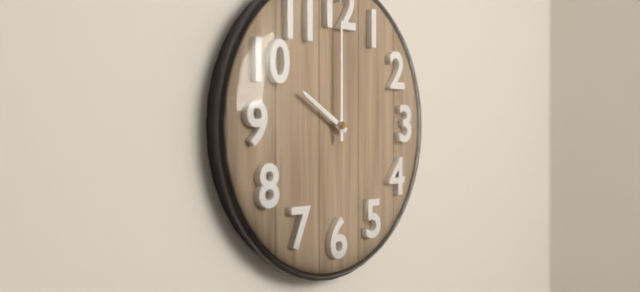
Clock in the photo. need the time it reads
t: 10:00
